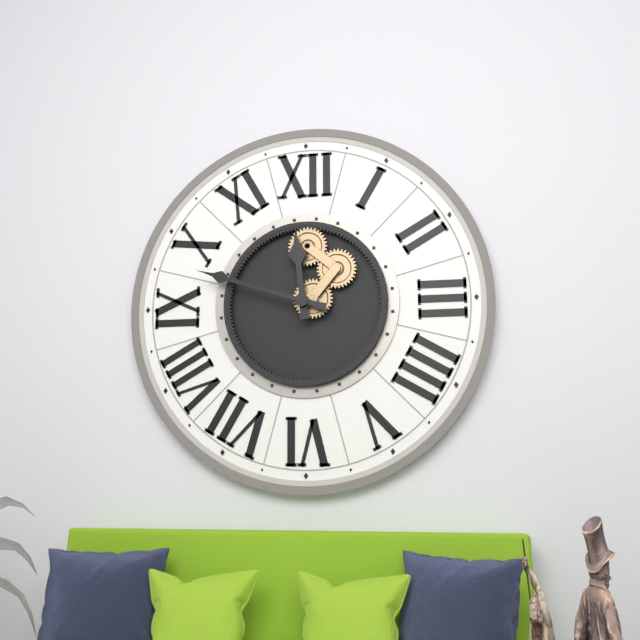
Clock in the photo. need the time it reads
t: 11:48
